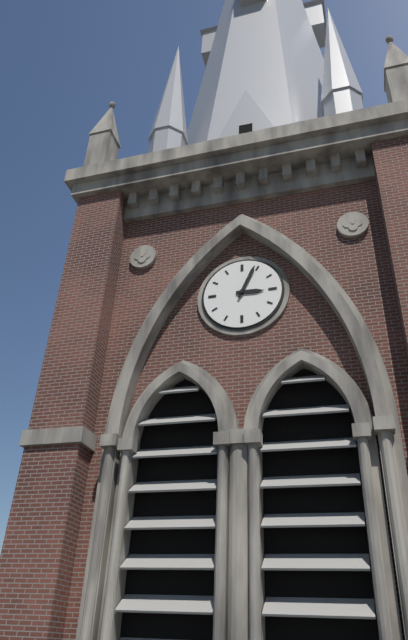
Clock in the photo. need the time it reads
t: 3:04
